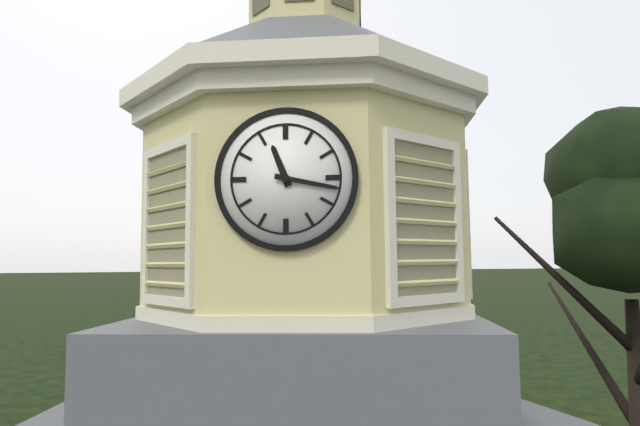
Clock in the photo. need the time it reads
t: 11:17
